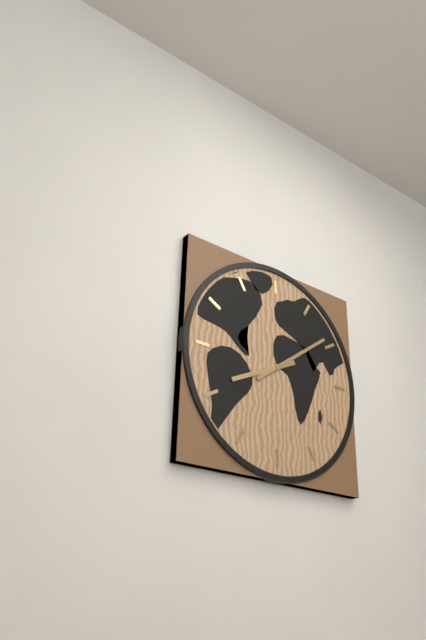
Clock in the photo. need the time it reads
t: 8:09
